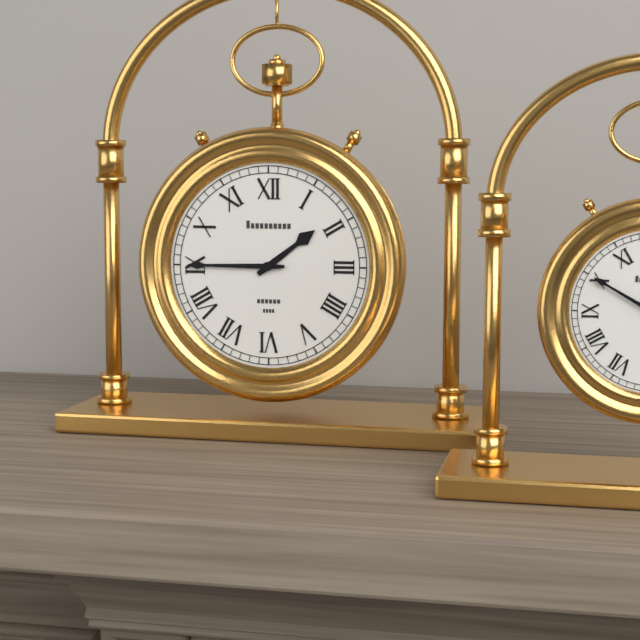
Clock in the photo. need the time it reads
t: 1:45
